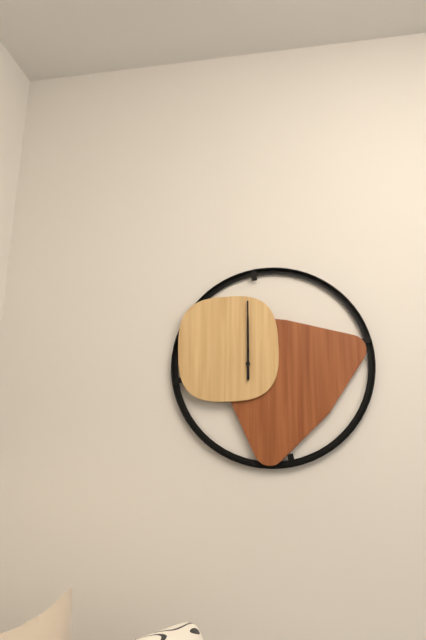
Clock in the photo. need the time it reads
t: 12:00
